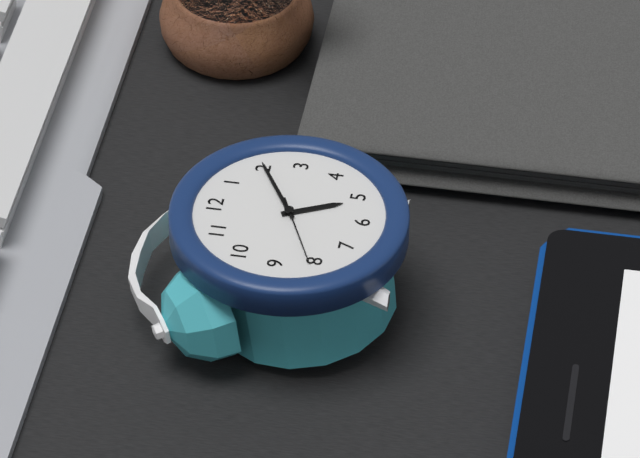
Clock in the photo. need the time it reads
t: 5:10:41
